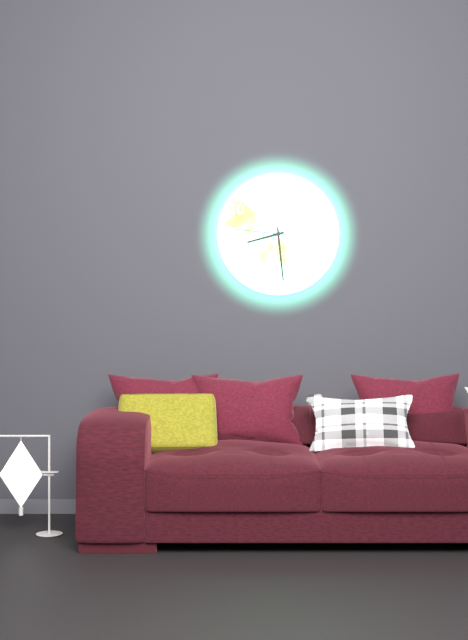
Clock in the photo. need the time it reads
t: 8:29:46
